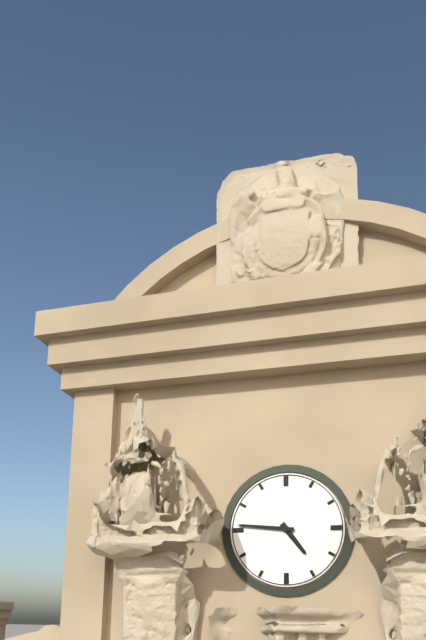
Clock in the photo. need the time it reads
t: 4:46
